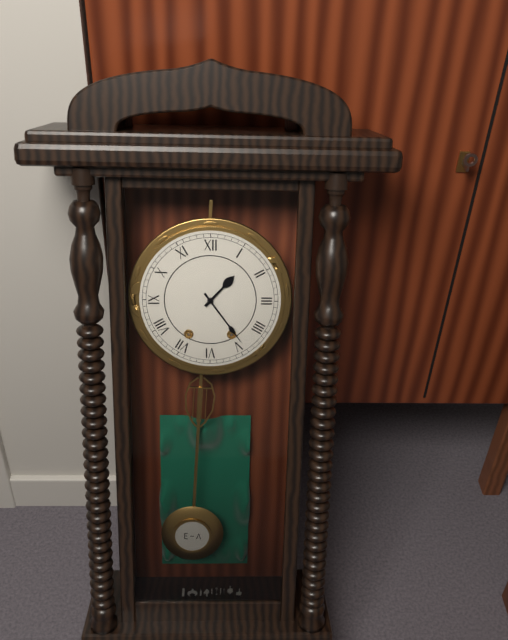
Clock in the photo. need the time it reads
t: 1:24
